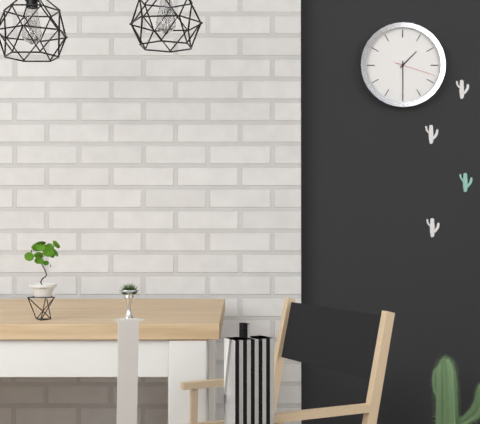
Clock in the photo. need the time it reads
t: 1:30
